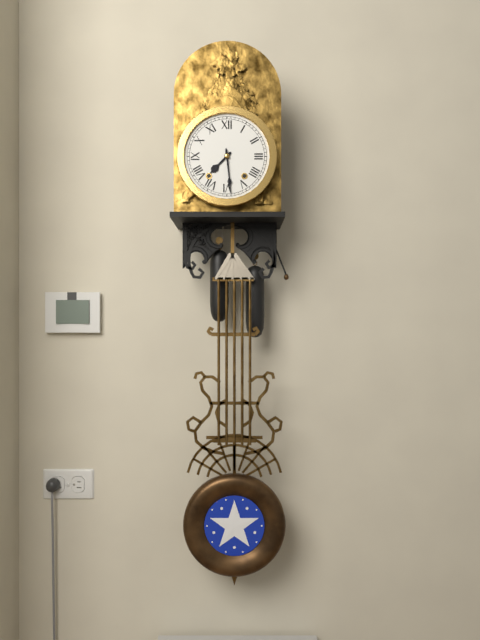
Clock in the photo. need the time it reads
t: 7:29
